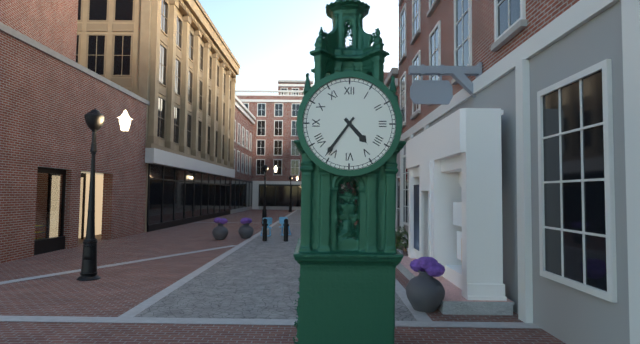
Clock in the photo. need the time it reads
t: 4:36
